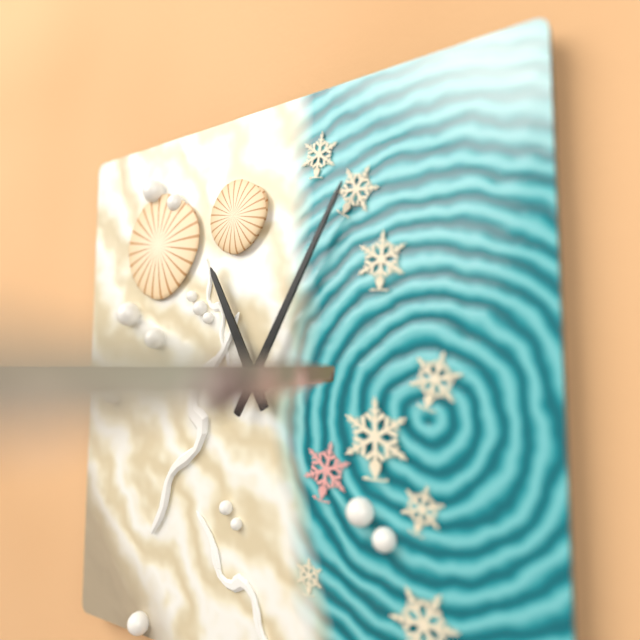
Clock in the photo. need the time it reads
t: 11:05
